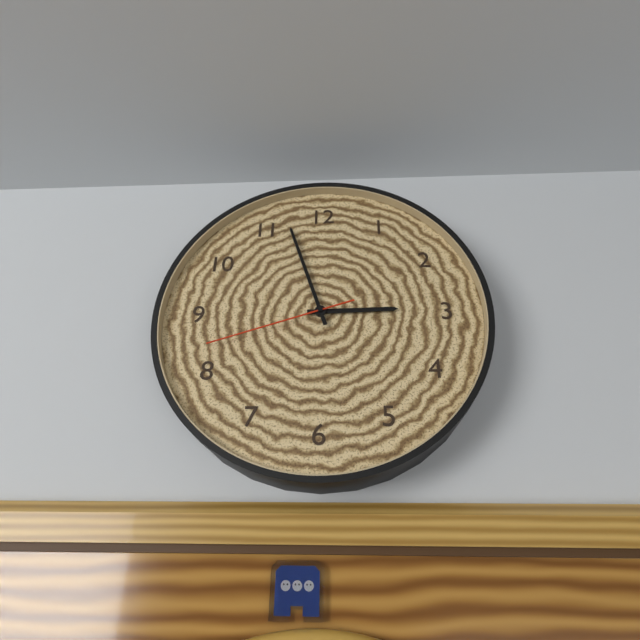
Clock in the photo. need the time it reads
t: 2:57:42
